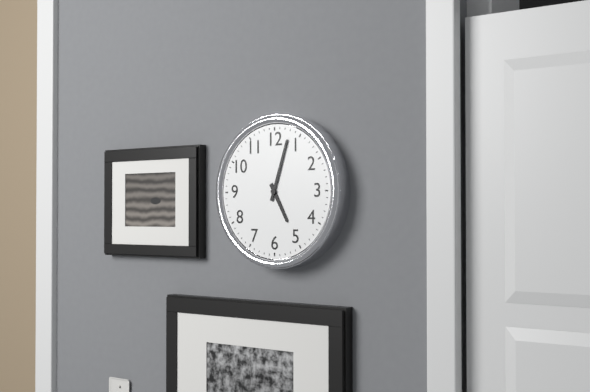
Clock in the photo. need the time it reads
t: 5:03
